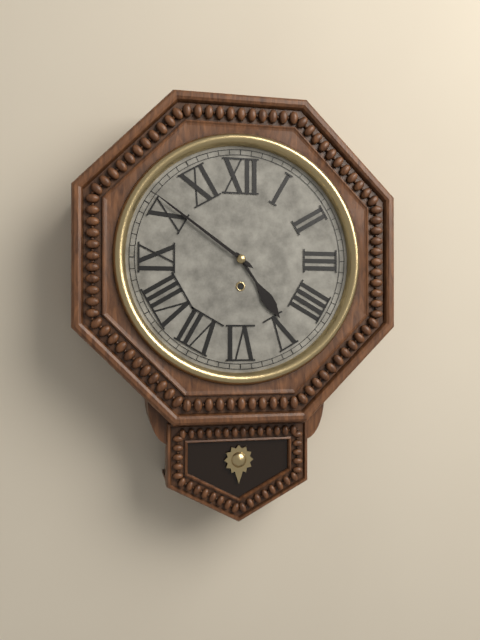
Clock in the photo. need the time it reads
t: 4:51
